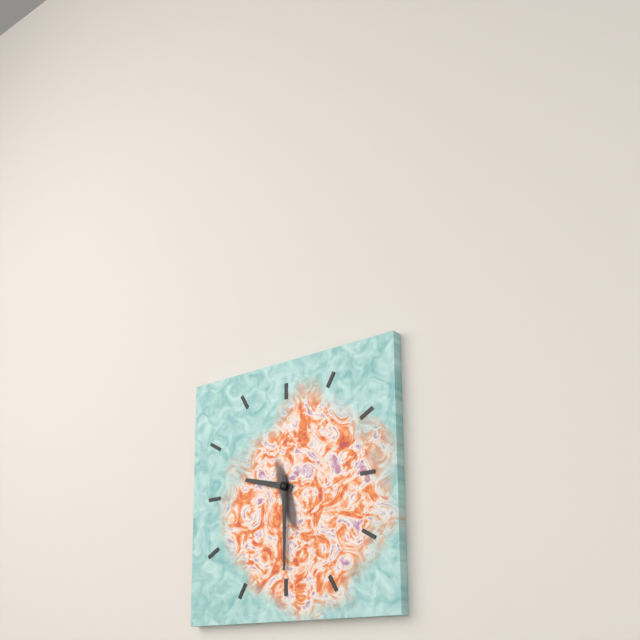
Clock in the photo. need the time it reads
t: 9:30
